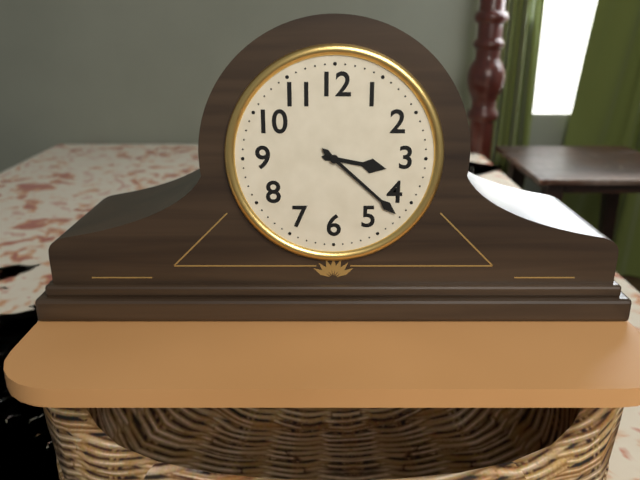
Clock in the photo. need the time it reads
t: 3:22
